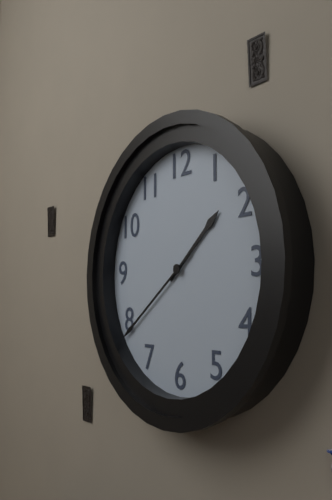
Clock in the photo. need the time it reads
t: 1:39
